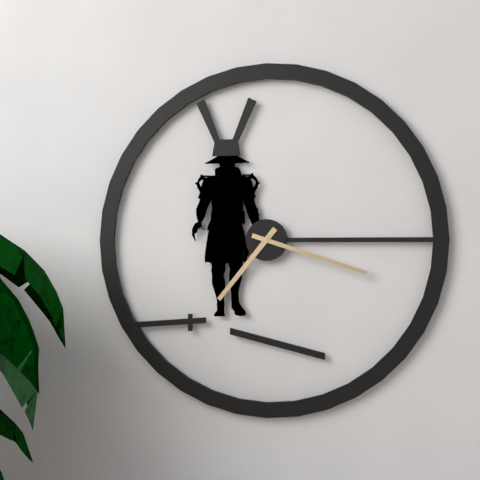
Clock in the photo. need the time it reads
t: 7:18
